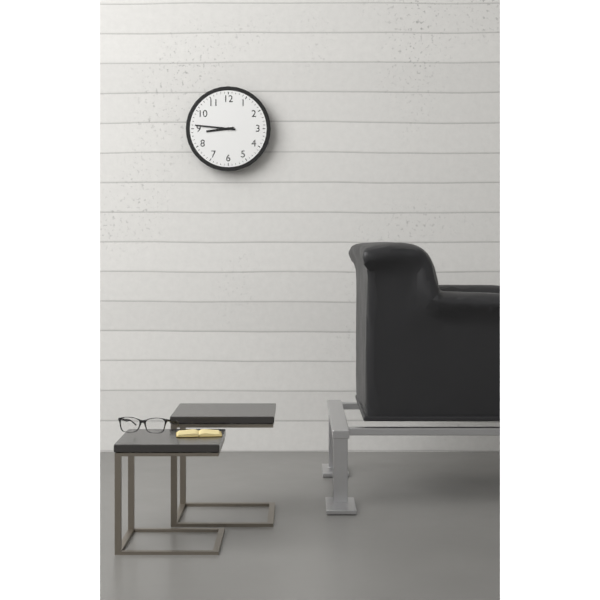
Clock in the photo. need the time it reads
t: 8:46
